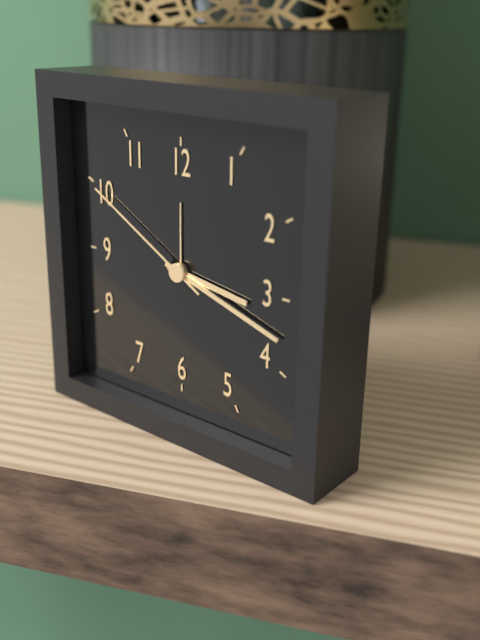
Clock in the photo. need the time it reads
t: 3:18:50
